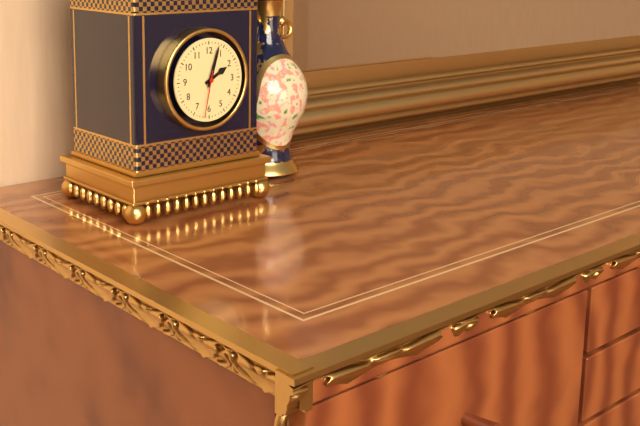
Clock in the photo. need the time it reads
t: 2:03
